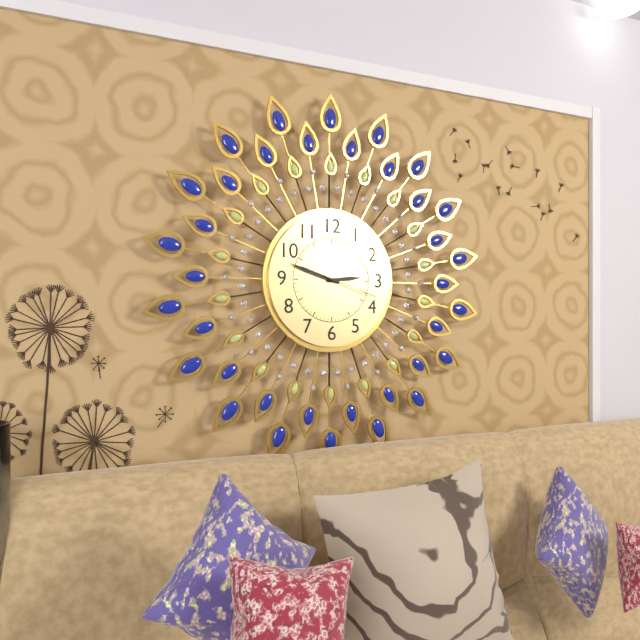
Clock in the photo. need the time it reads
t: 2:48:18
